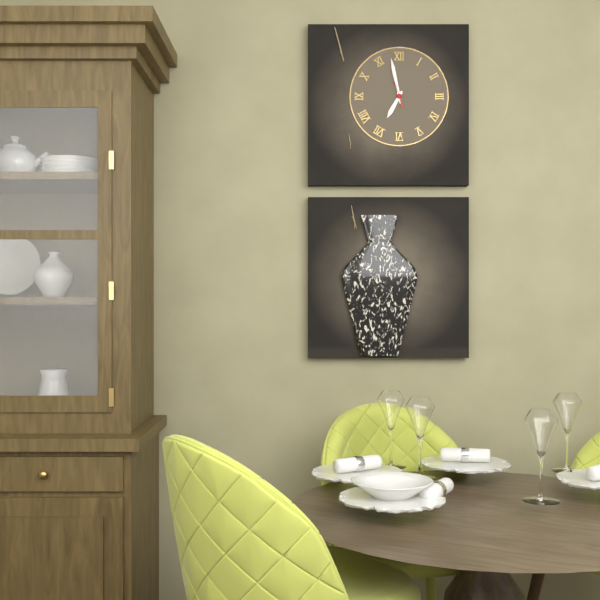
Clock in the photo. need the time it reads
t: 6:58
